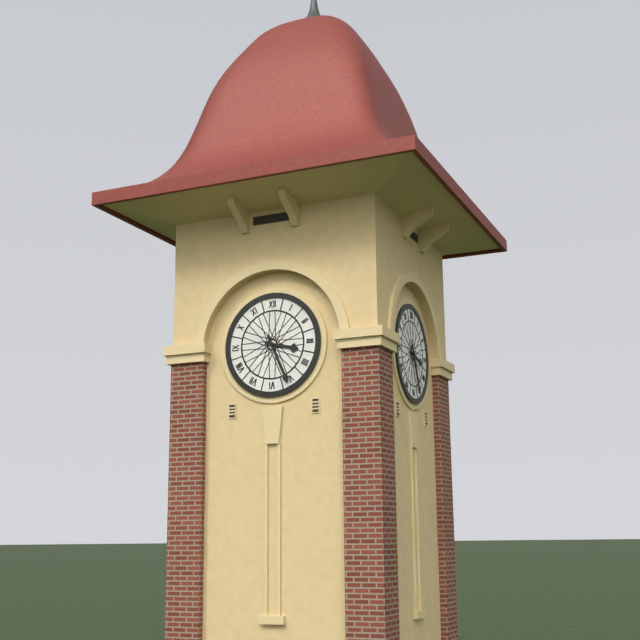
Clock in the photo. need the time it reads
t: 3:26
